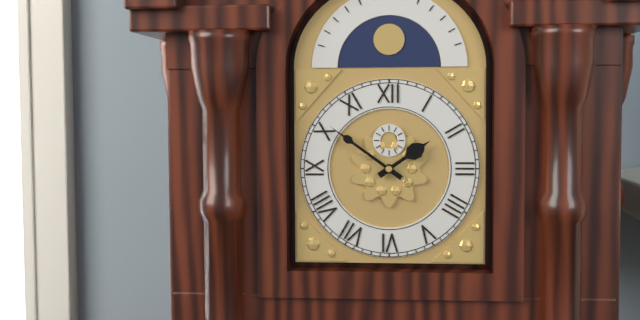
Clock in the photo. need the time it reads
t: 1:51
